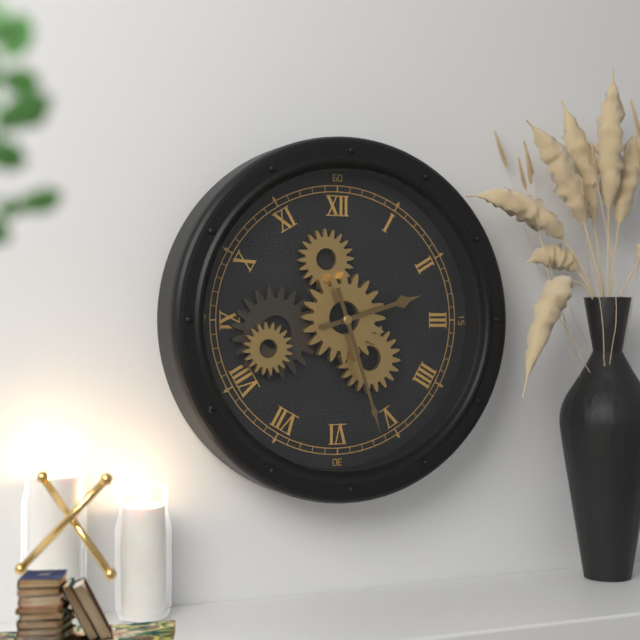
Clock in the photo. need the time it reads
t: 2:27
